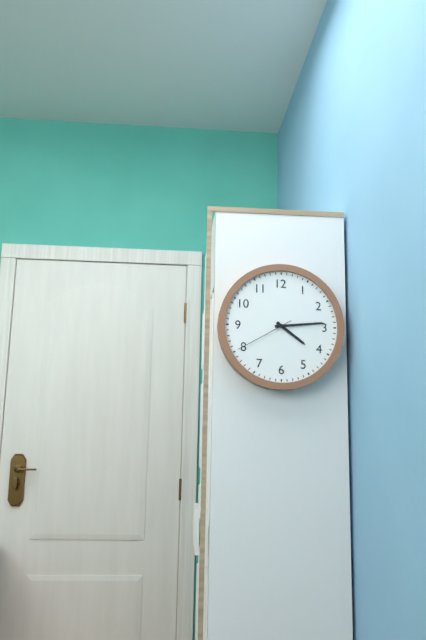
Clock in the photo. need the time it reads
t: 4:14:40
